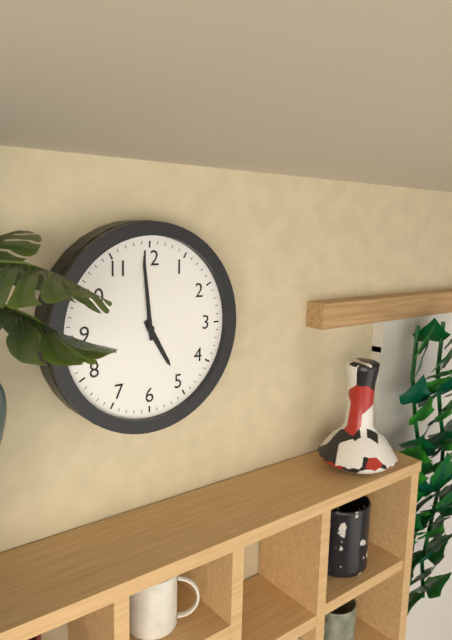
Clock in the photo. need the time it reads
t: 4:59
